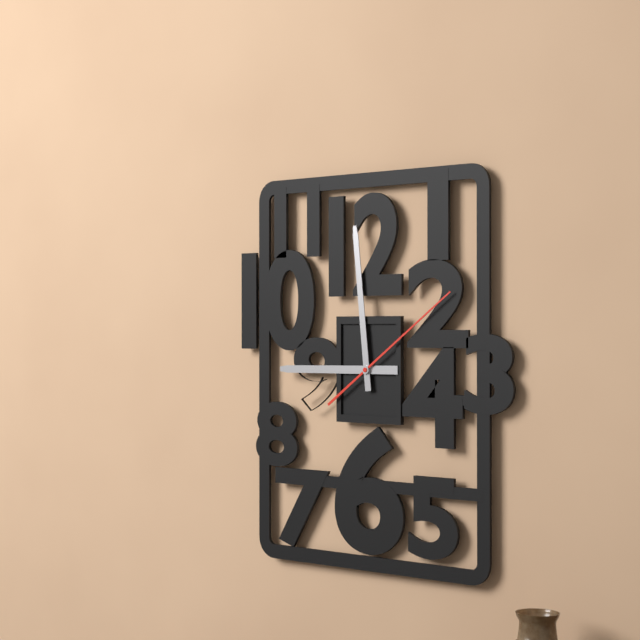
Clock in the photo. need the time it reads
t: 8:59:09
